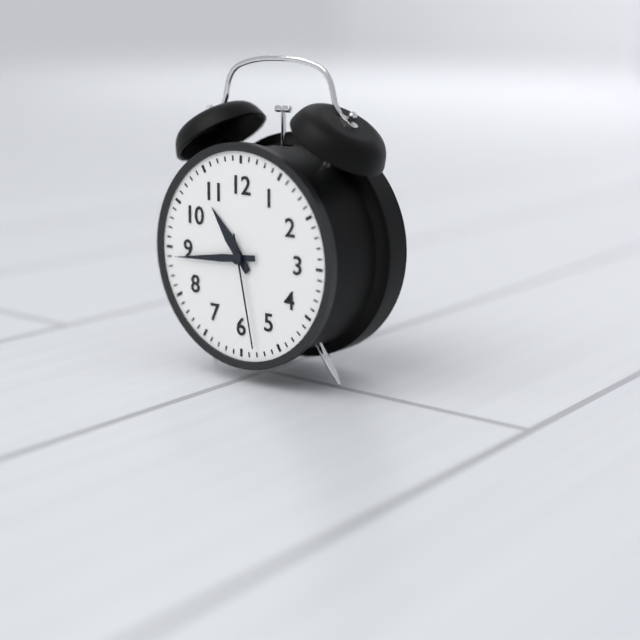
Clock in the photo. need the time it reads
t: 10:44:28
